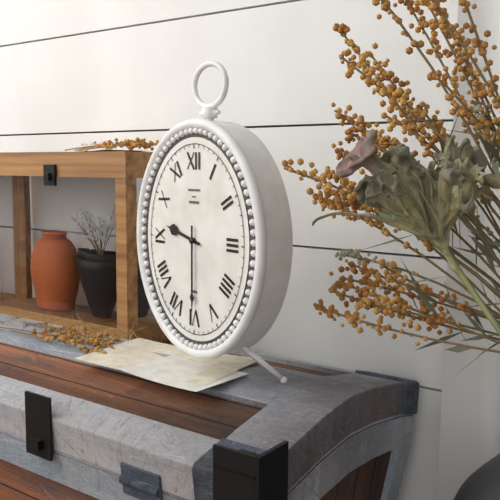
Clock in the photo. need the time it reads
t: 9:30
